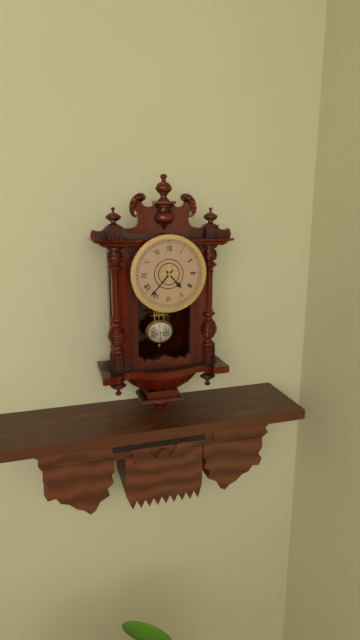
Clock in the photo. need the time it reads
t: 4:37
